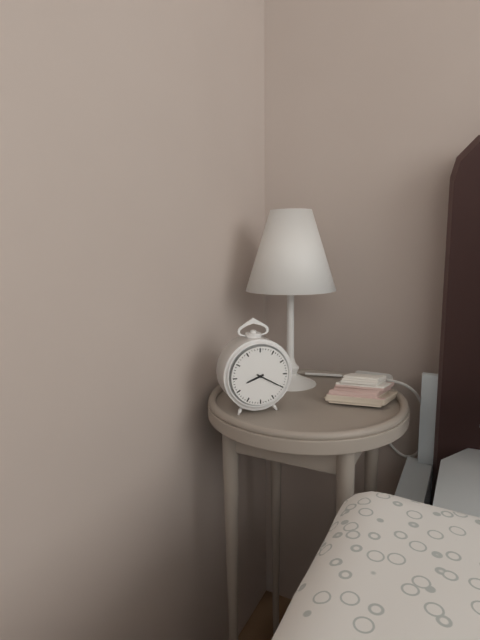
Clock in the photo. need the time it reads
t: 8:20
